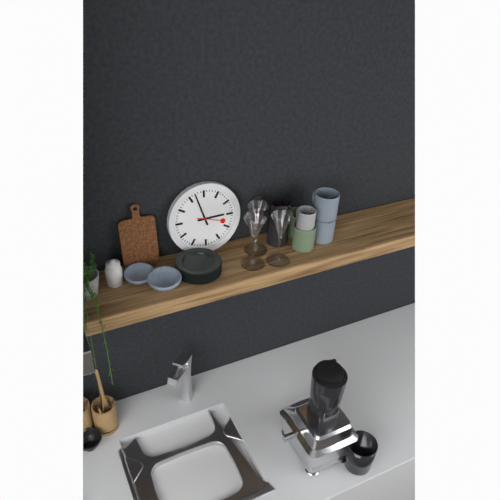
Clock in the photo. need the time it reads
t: 2:57
